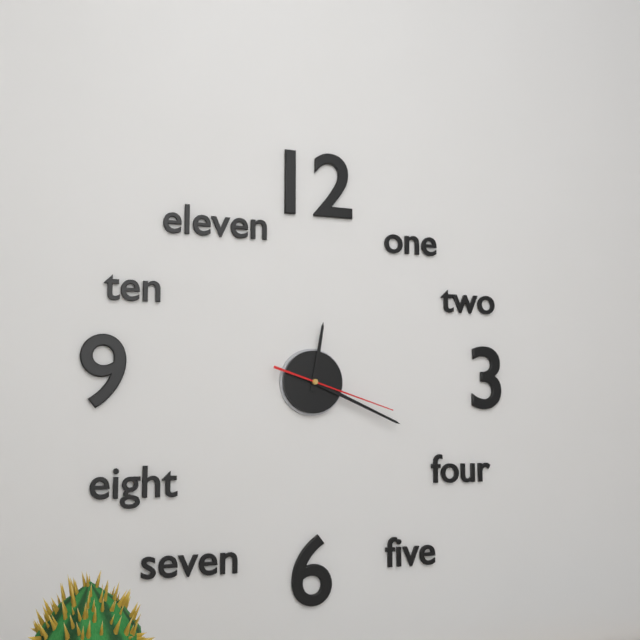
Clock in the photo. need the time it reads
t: 12:19:18
